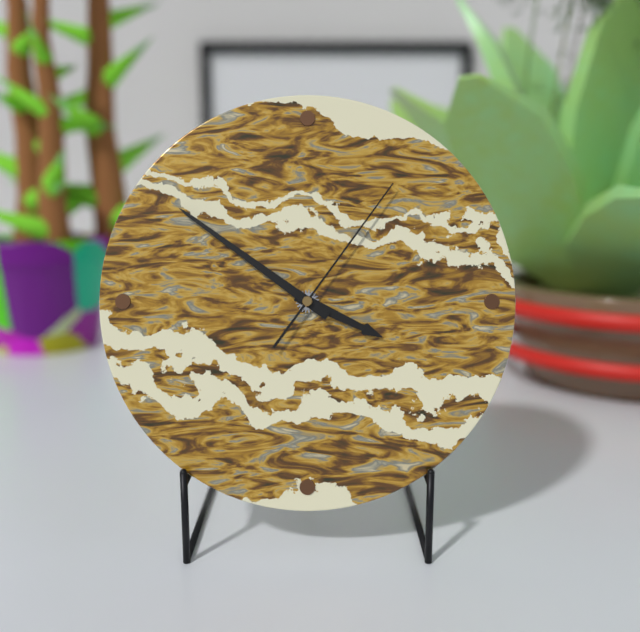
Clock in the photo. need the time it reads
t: 3:51:06
